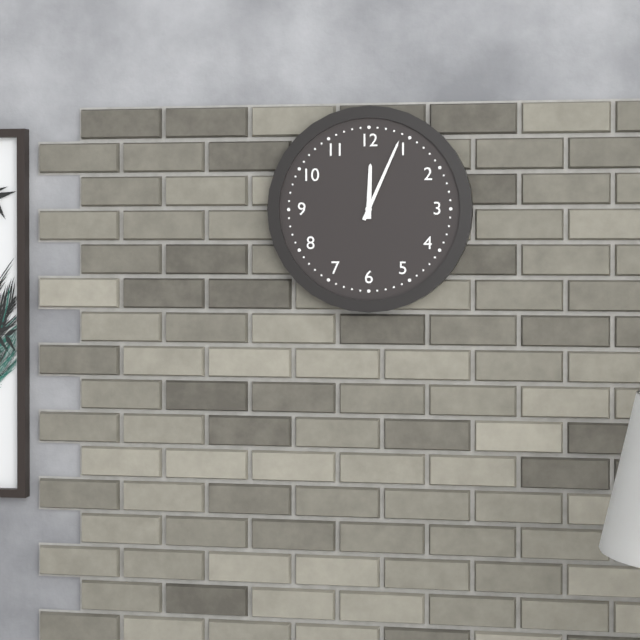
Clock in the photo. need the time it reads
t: 12:04
